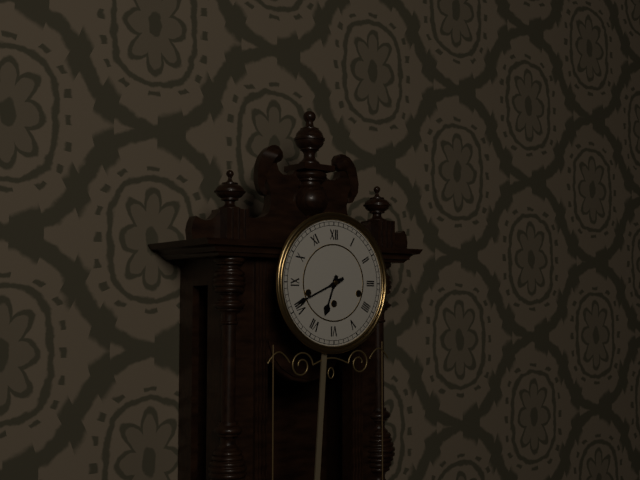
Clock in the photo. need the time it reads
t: 6:41
